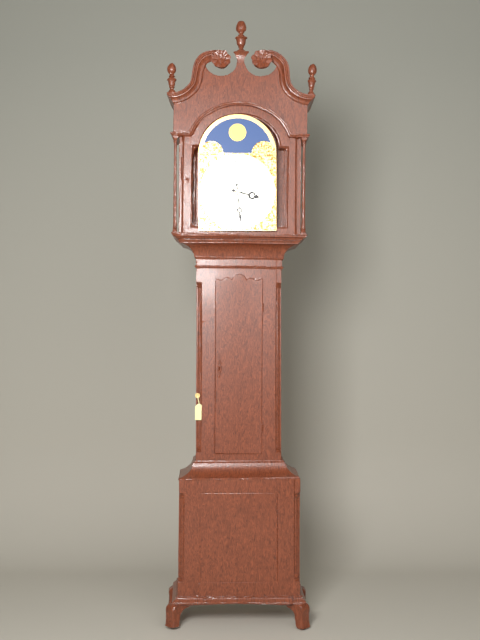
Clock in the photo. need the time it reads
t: 3:29
